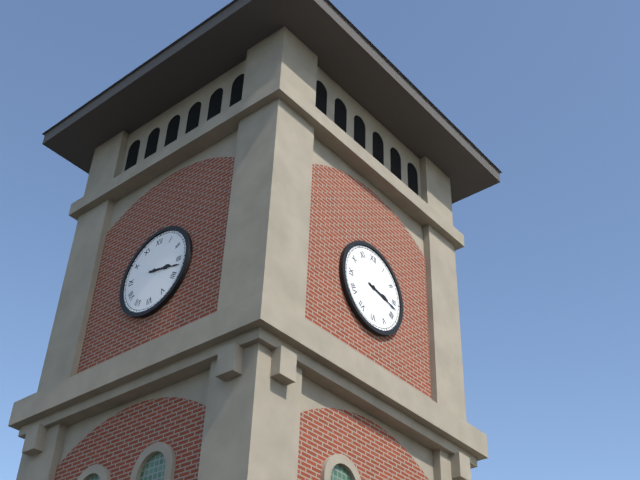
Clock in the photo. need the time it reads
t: 3:17
